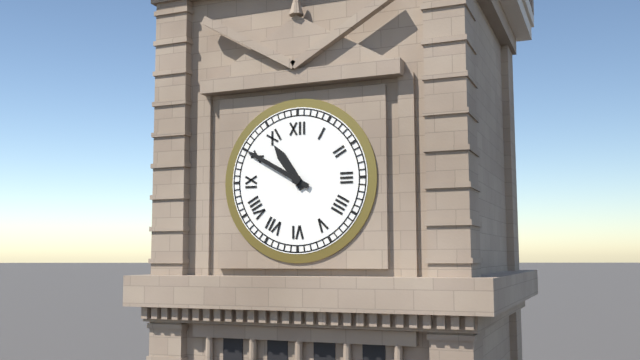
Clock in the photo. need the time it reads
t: 10:50
